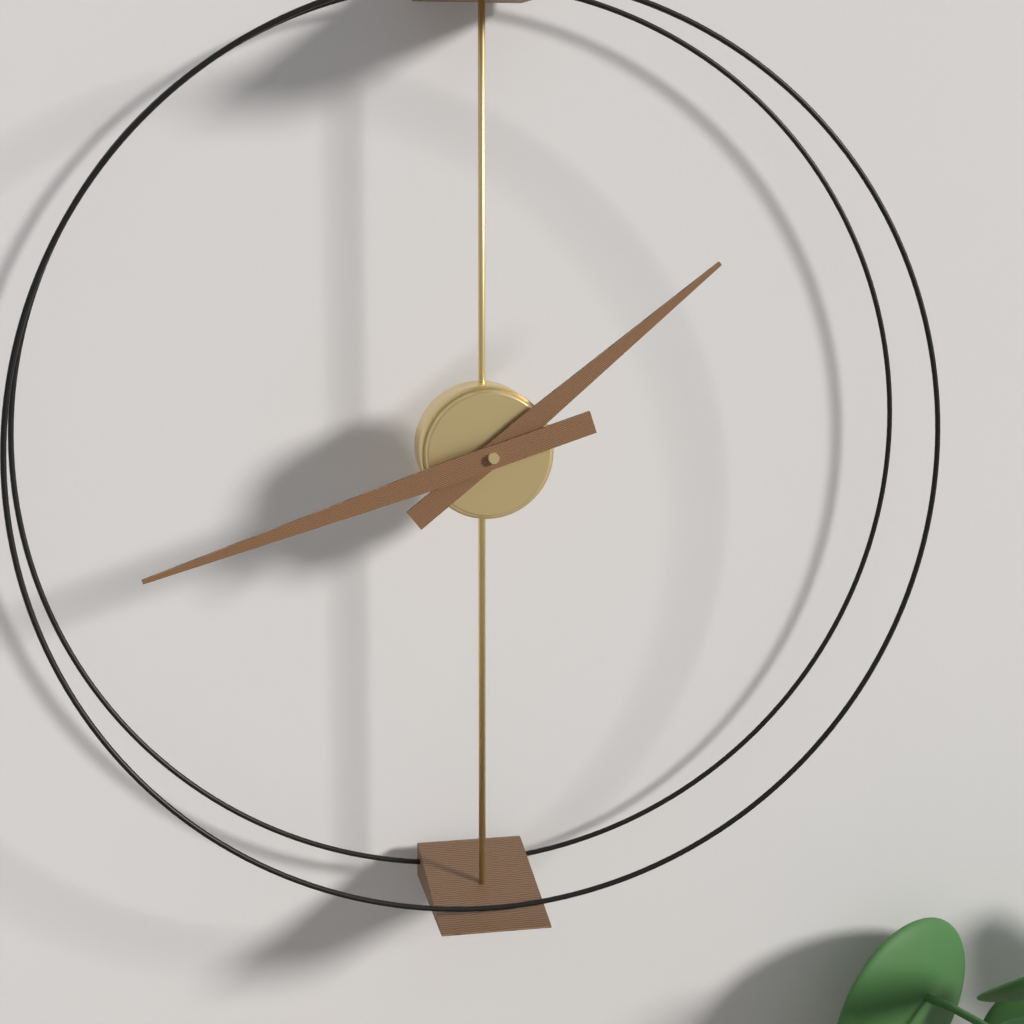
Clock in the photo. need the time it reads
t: 1:42
